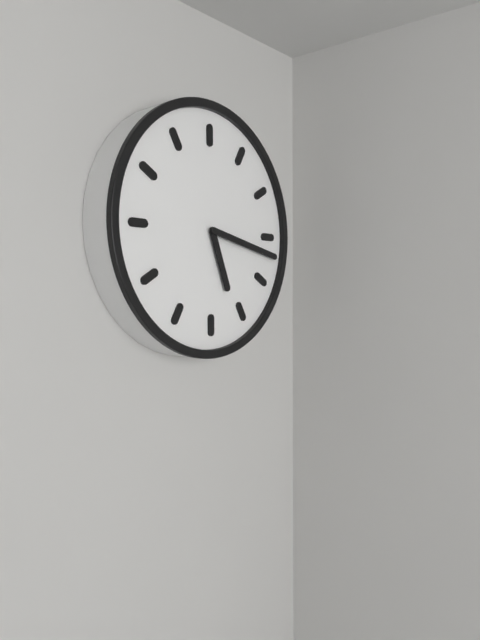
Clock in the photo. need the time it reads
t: 5:17
